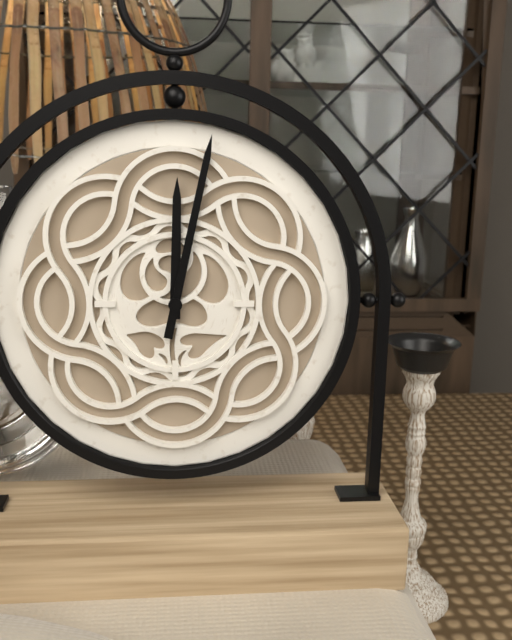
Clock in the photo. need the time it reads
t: 12:02
